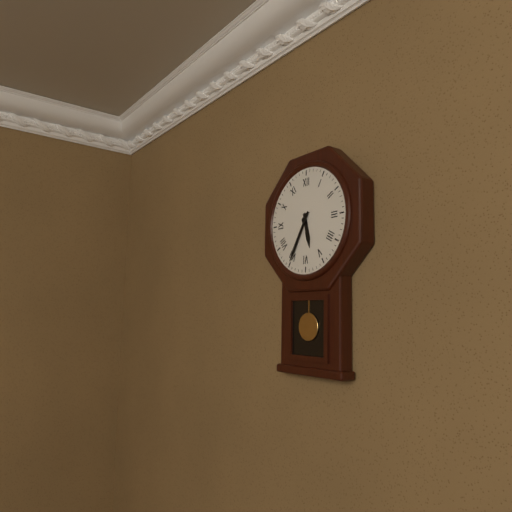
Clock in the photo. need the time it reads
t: 5:35
